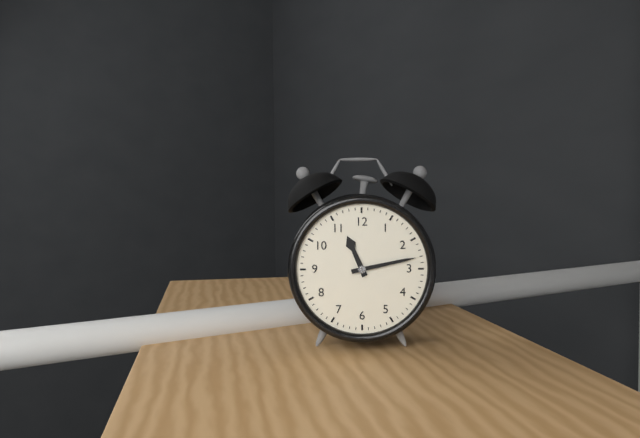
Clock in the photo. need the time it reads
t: 11:13
